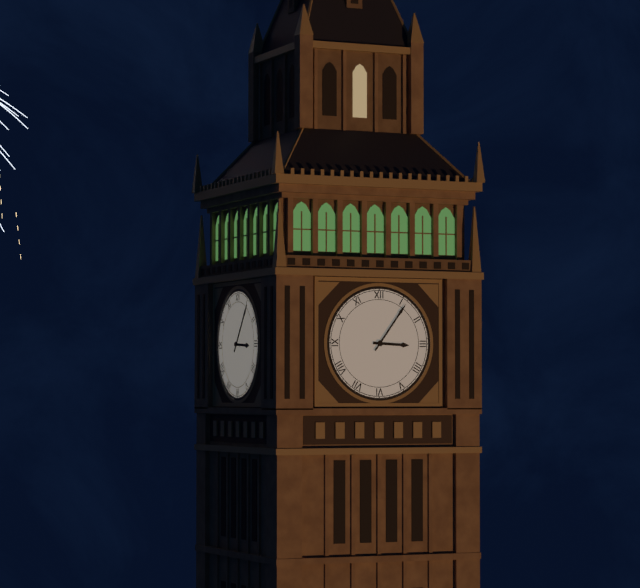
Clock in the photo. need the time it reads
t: 3:06
